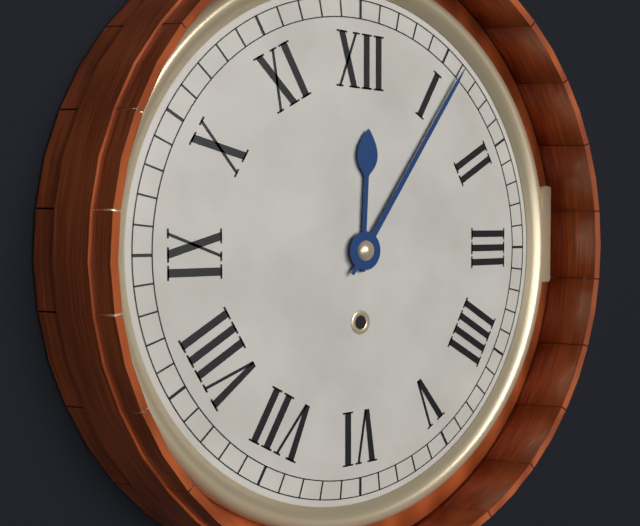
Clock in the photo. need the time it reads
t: 12:06
